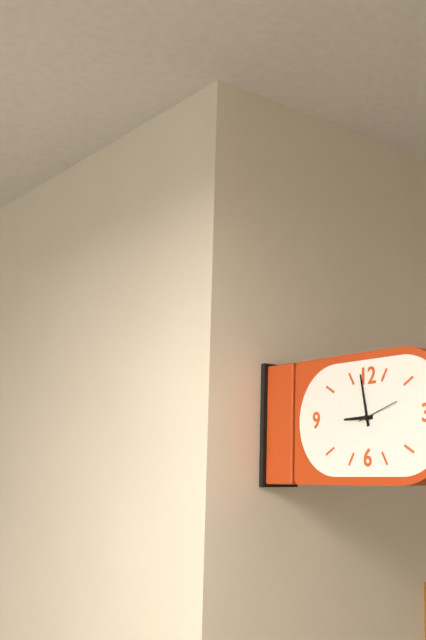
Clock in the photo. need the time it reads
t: 8:58
